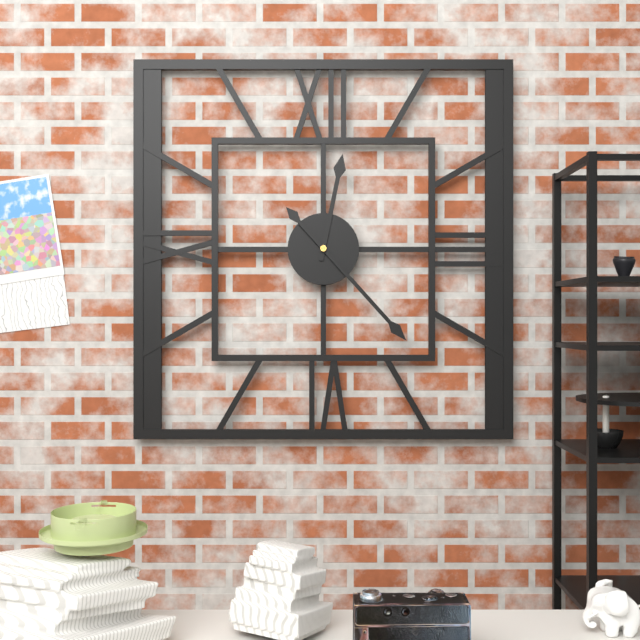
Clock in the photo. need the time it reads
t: 12:23
